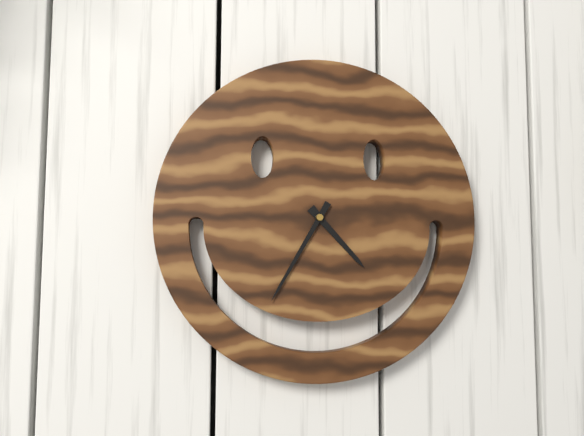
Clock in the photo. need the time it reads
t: 4:35
